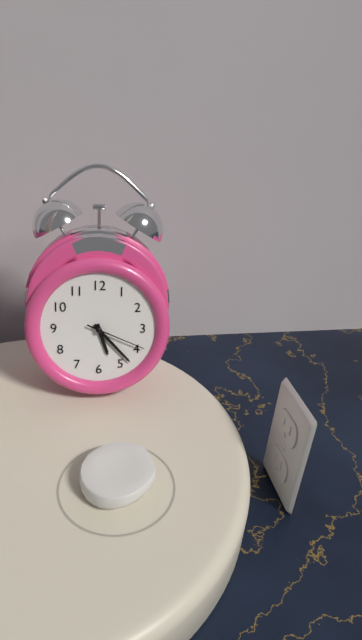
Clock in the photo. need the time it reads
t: 5:23:19
